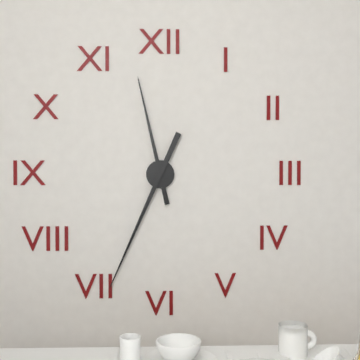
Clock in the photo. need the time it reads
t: 11:34
